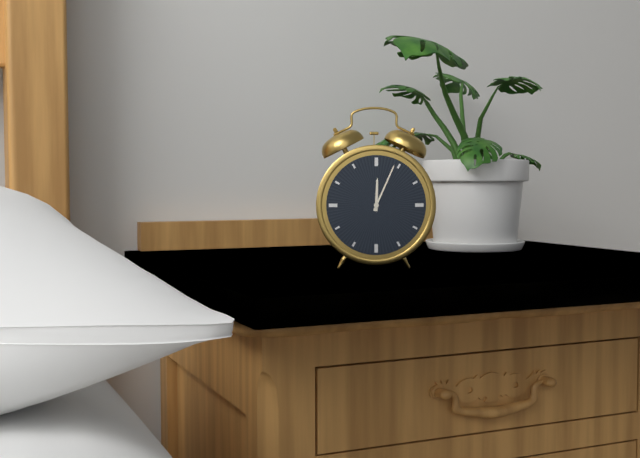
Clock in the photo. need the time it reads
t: 12:04
